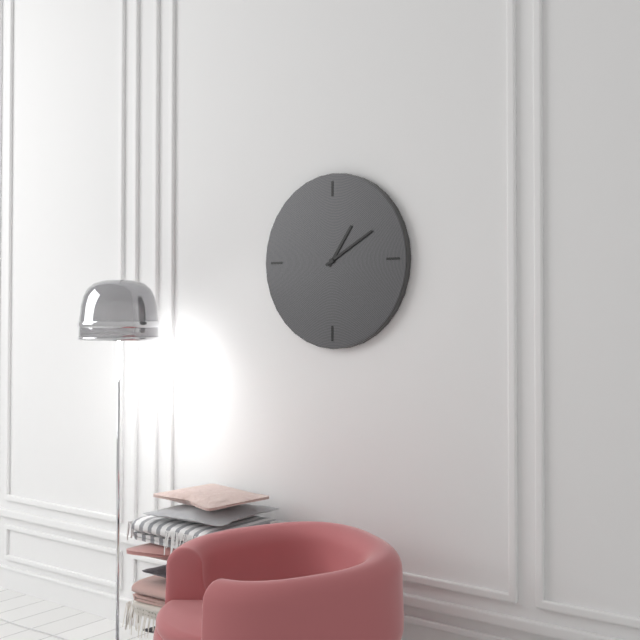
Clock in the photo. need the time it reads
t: 1:10
